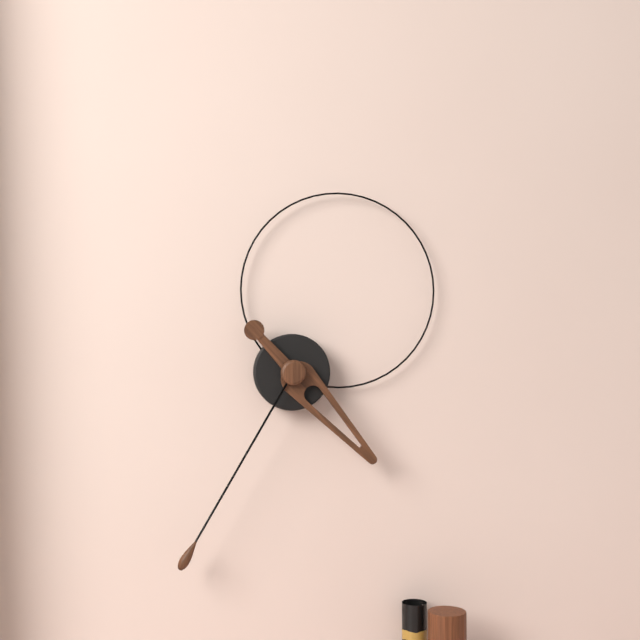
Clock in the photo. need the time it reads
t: 4:35
